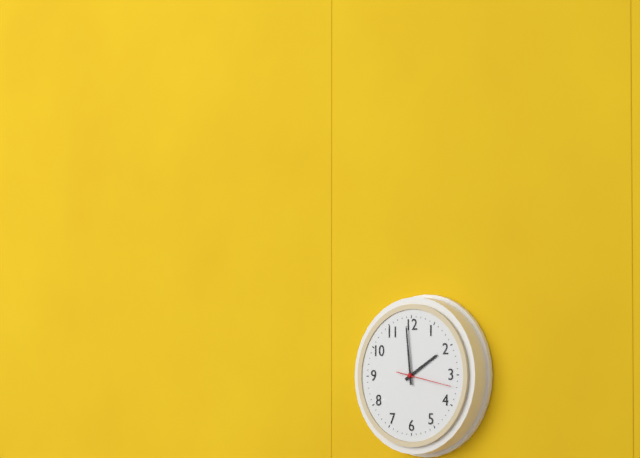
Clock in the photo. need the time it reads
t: 1:59:17
